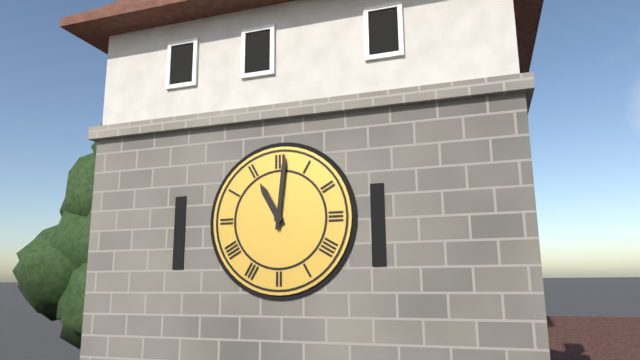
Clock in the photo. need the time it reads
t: 11:01
